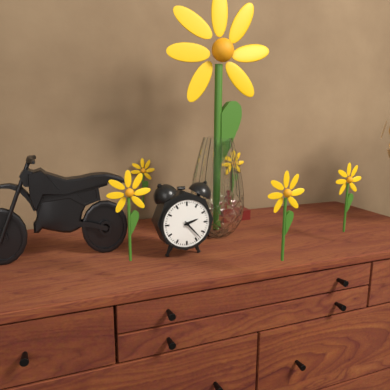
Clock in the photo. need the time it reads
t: 2:23
